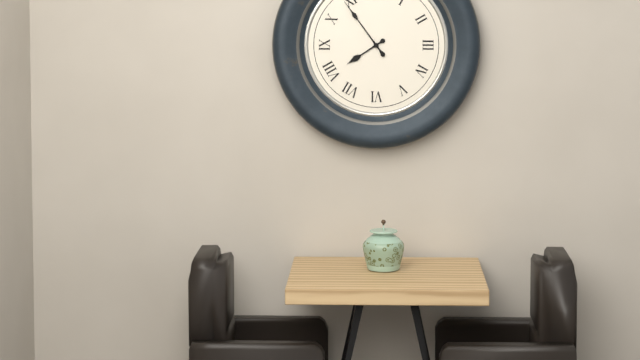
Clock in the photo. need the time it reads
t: 7:54
